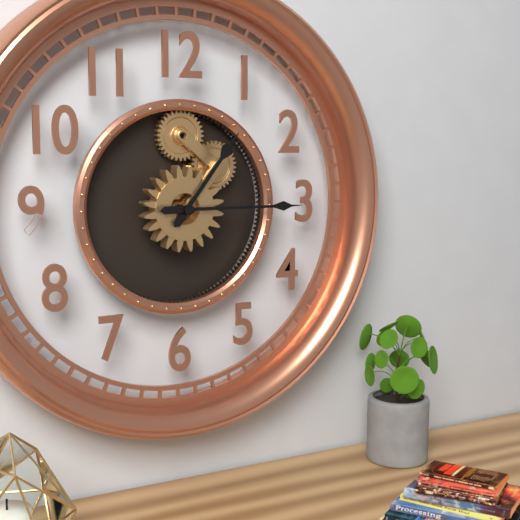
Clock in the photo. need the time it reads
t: 1:15
